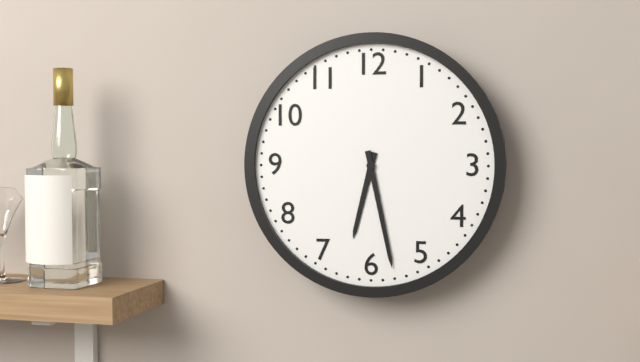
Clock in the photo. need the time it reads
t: 6:28
